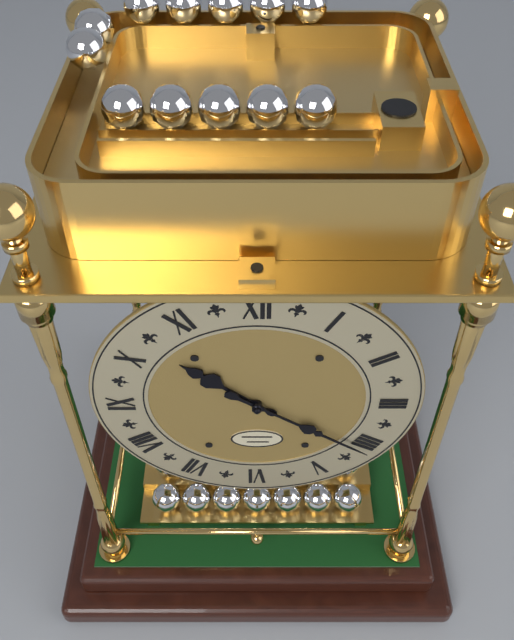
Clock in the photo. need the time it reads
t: 10:21
